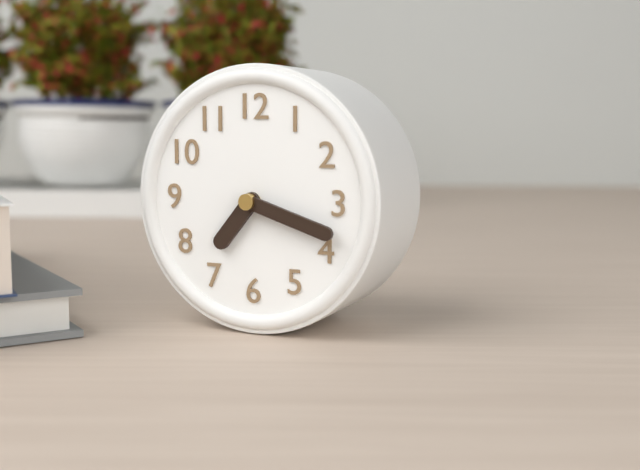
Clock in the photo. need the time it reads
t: 7:18
